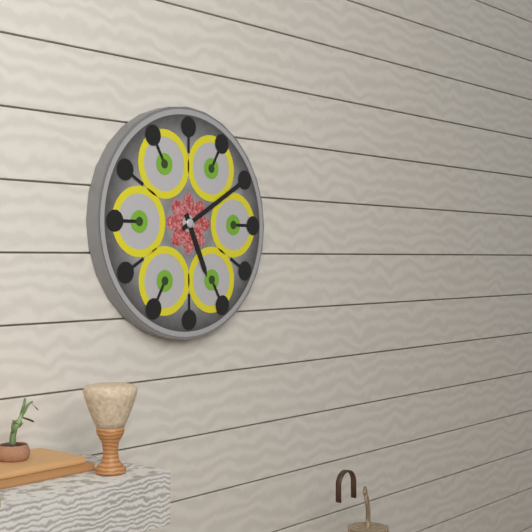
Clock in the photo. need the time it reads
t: 5:10
